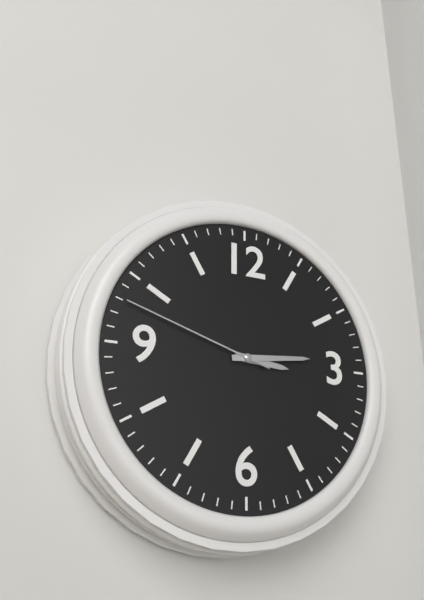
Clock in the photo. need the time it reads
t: 3:14:48
